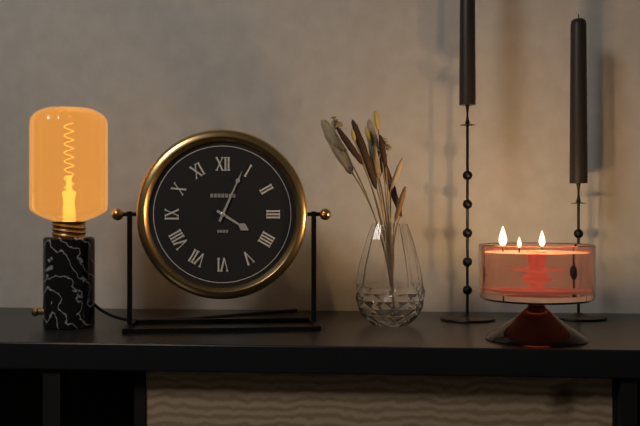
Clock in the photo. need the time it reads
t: 4:04
